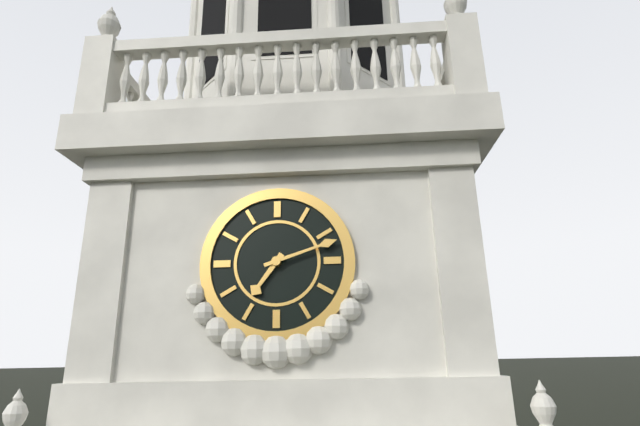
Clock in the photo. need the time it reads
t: 7:12
